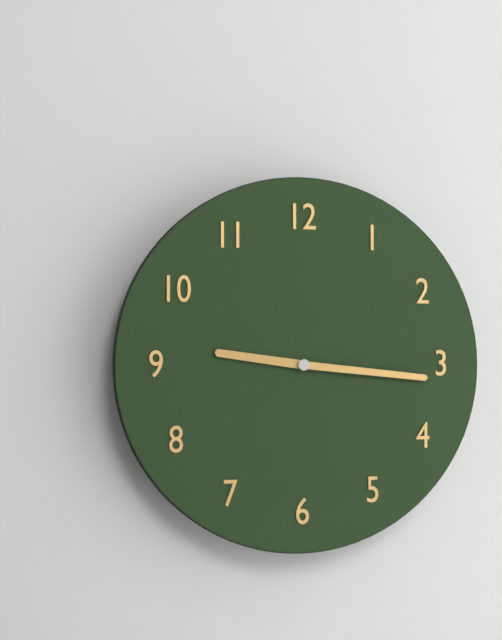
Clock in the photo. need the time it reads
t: 9:16
